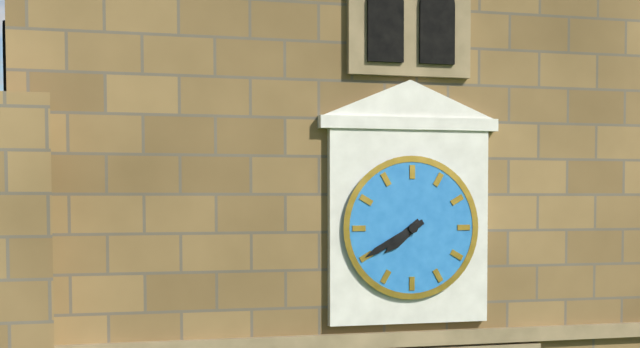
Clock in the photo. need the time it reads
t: 7:40
